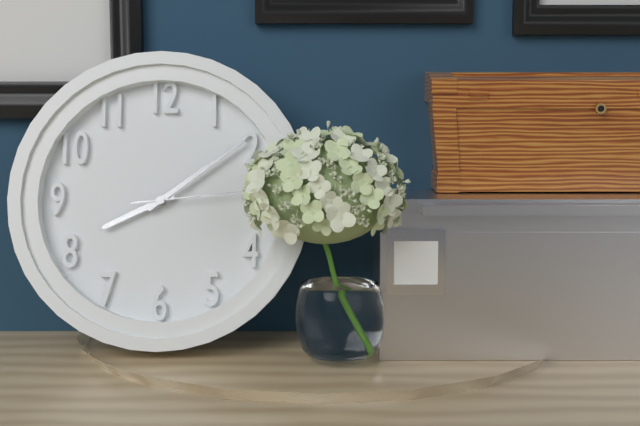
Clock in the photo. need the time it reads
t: 8:09:14
